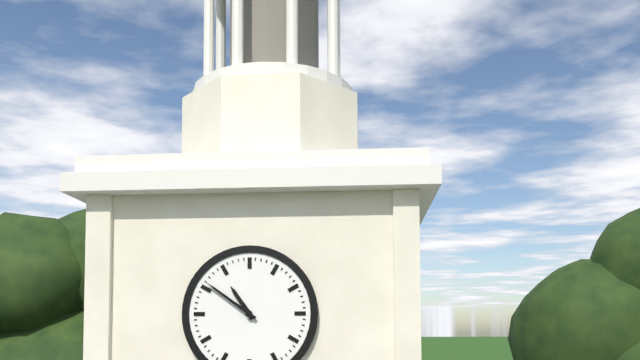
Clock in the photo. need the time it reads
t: 10:51
